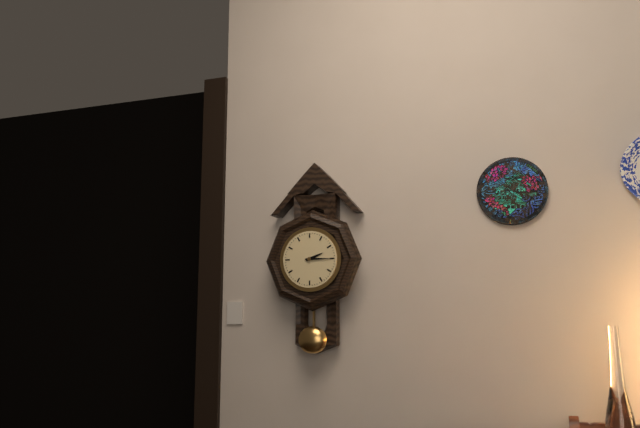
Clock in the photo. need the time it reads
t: 2:15
